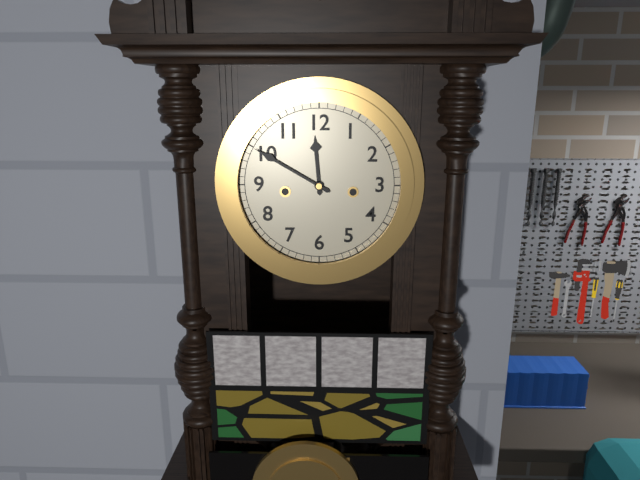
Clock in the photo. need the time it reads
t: 11:50
